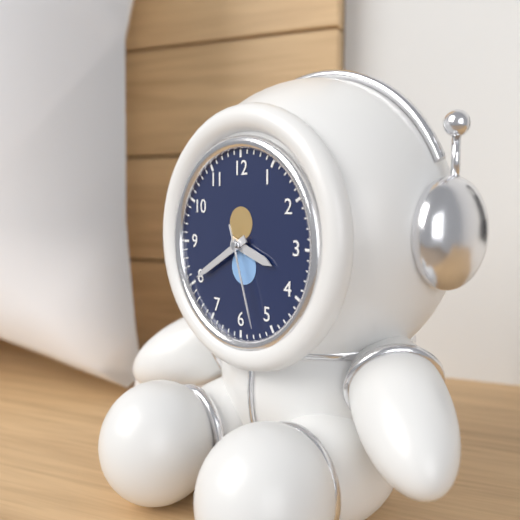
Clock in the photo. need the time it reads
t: 3:40:27
